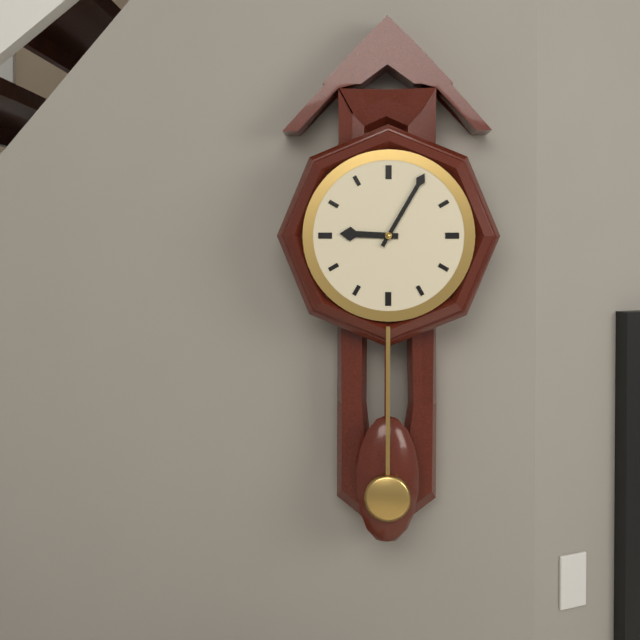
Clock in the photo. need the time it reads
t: 9:05
